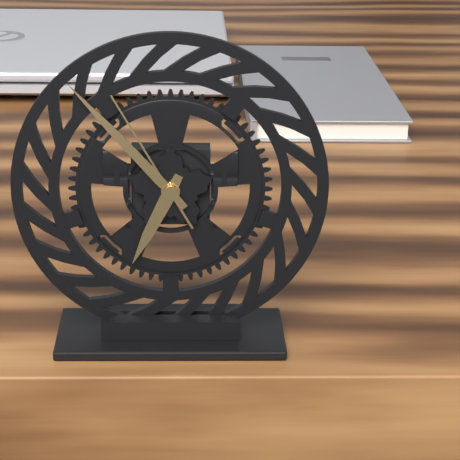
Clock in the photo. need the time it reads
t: 6:53:55
